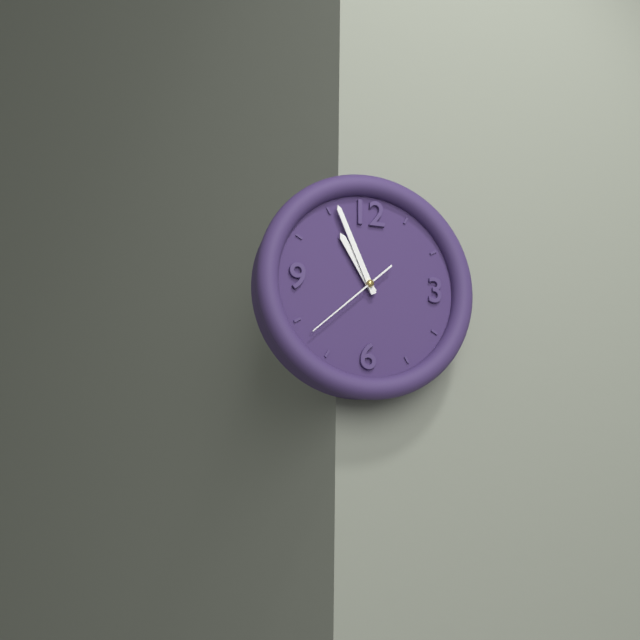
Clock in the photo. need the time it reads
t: 10:56:38
